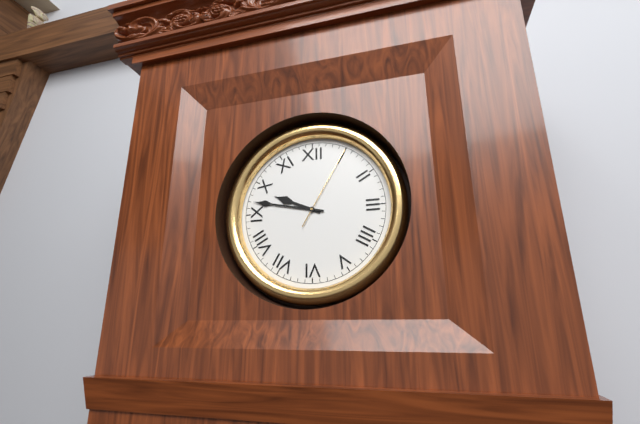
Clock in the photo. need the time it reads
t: 9:47:05
